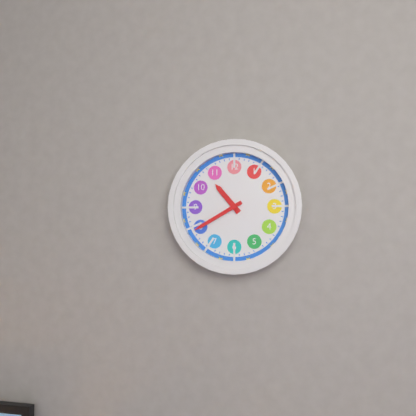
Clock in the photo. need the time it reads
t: 10:40
